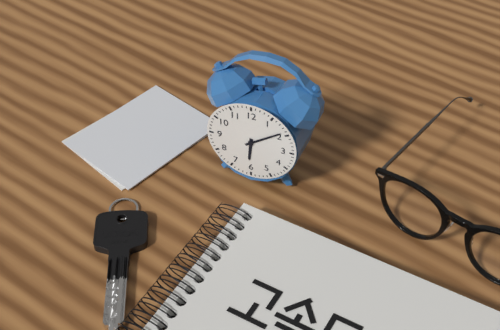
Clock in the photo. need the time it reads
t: 6:09
